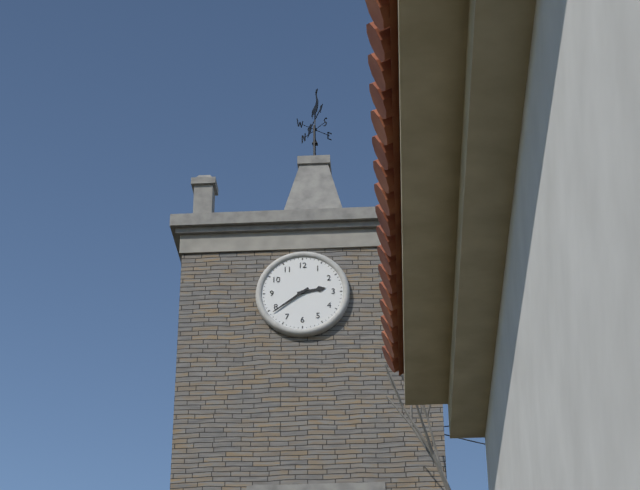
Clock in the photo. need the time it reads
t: 2:39
